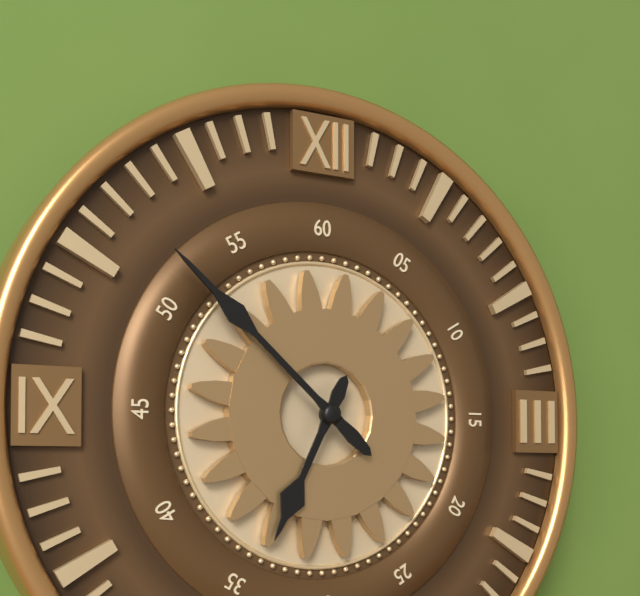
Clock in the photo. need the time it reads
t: 6:52
